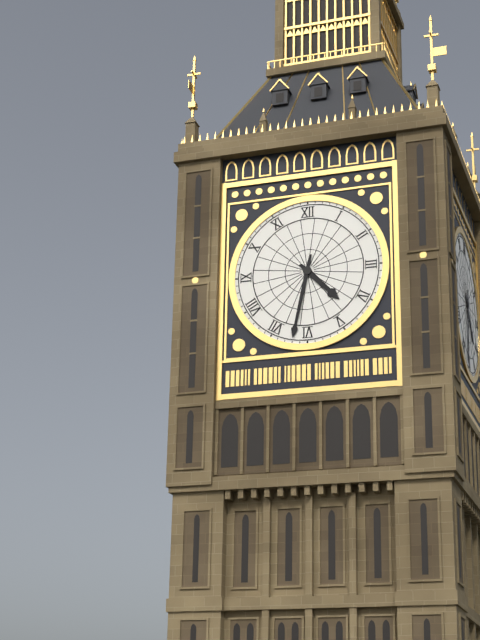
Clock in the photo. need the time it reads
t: 4:32
